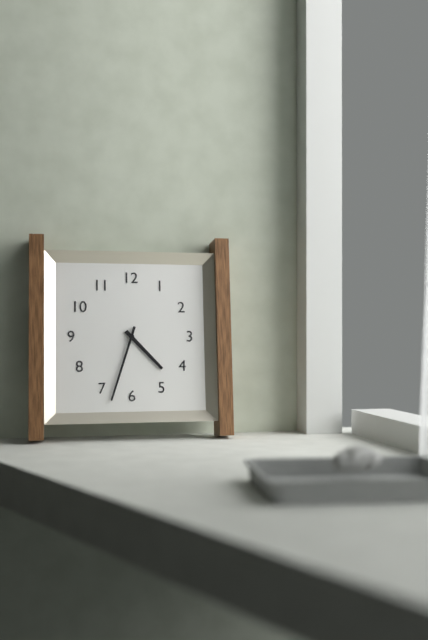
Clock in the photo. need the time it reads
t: 4:33
